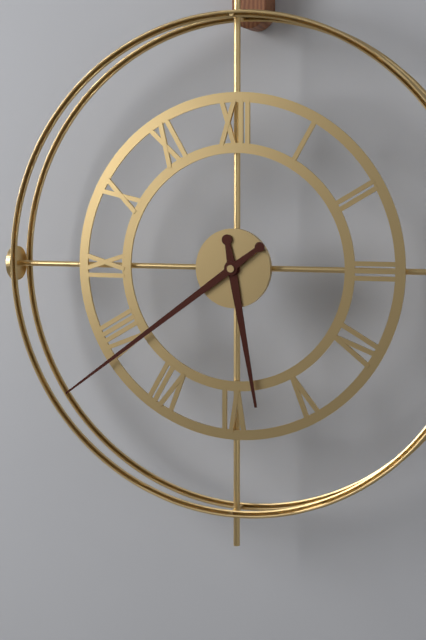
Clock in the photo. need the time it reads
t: 5:39
